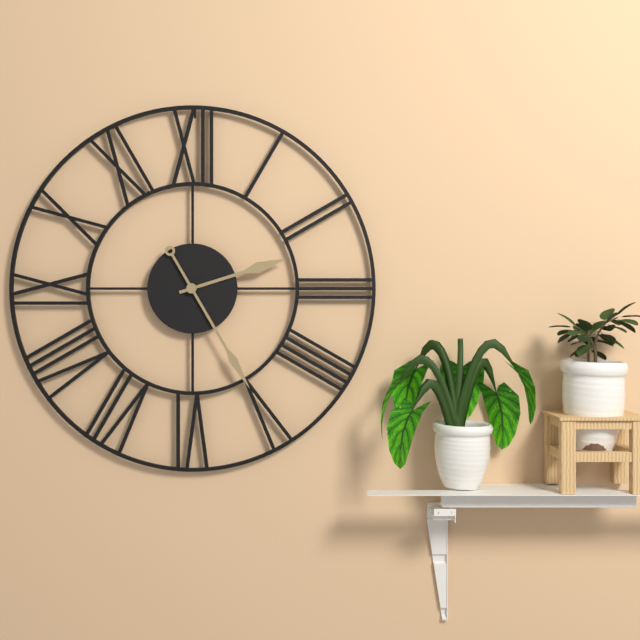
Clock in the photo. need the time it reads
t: 2:25
